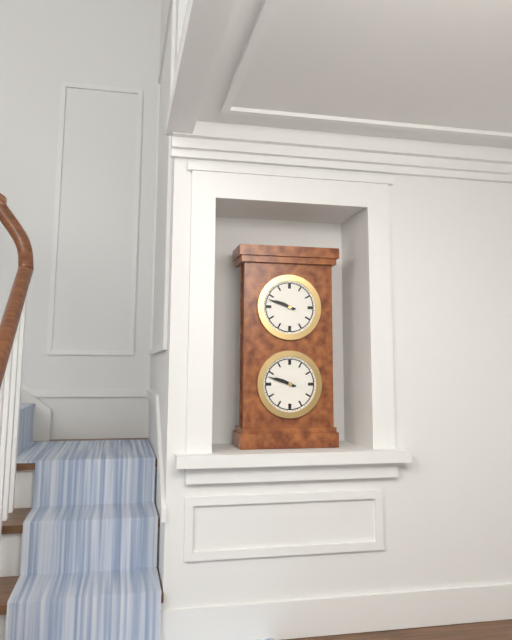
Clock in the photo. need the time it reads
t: 9:48
